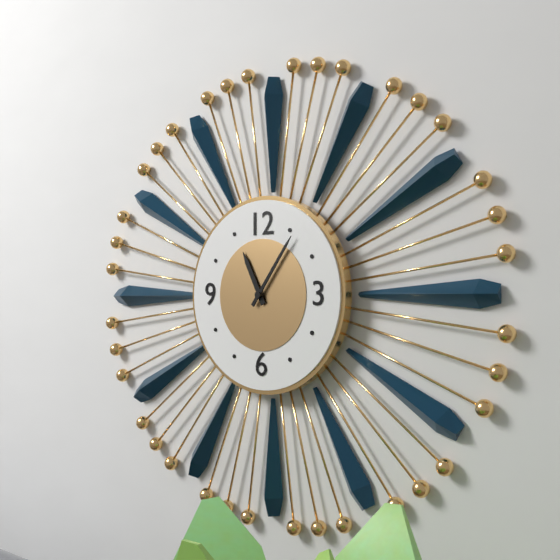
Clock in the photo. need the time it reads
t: 11:06
